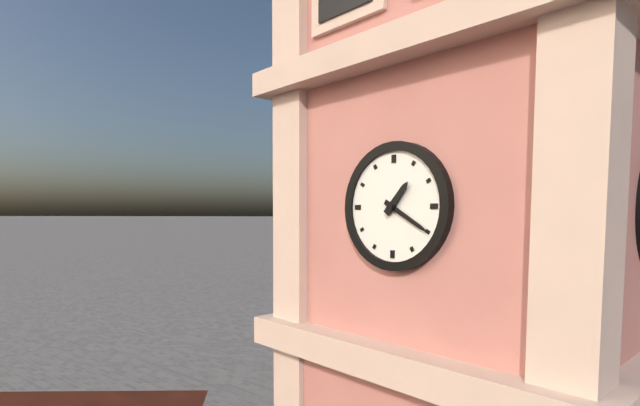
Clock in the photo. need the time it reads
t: 1:20
